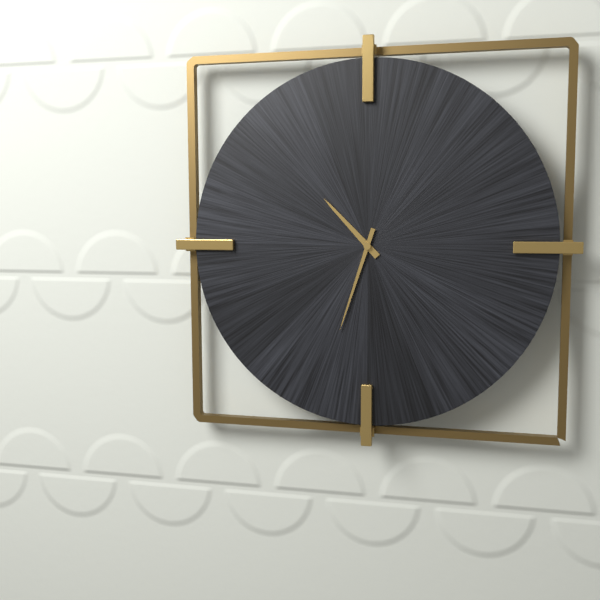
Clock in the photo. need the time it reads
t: 10:33
